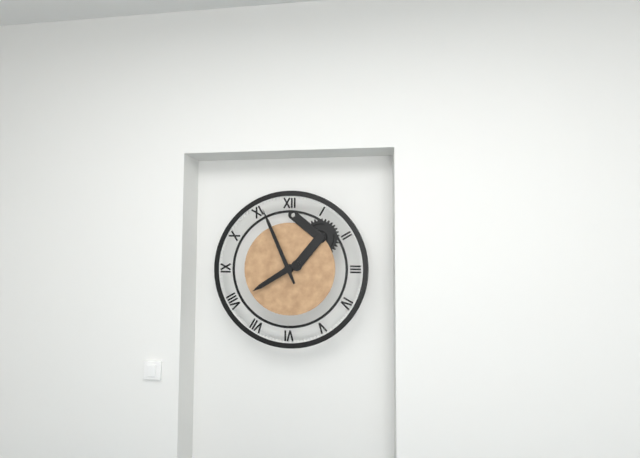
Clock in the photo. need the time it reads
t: 7:56
